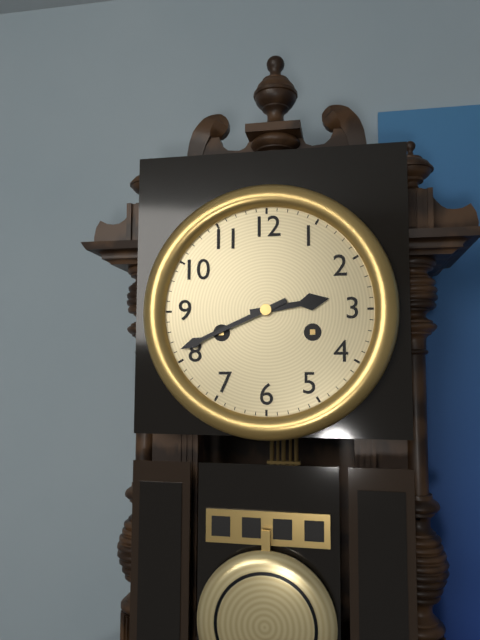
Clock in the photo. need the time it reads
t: 2:41
